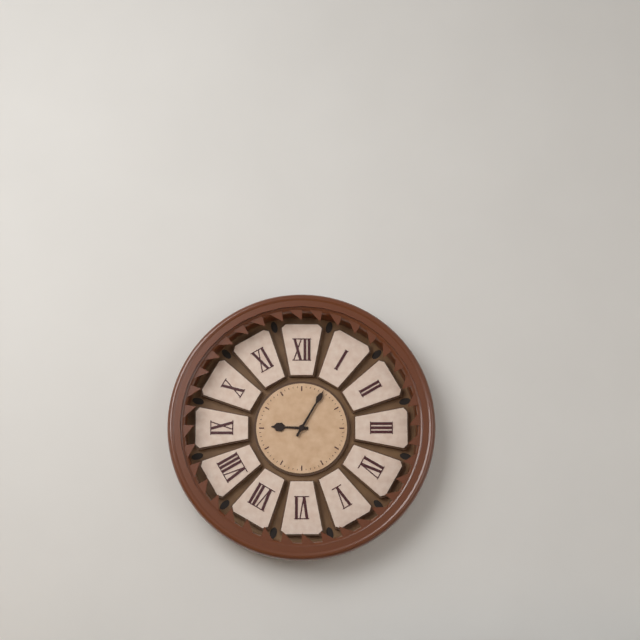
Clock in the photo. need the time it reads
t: 9:05
